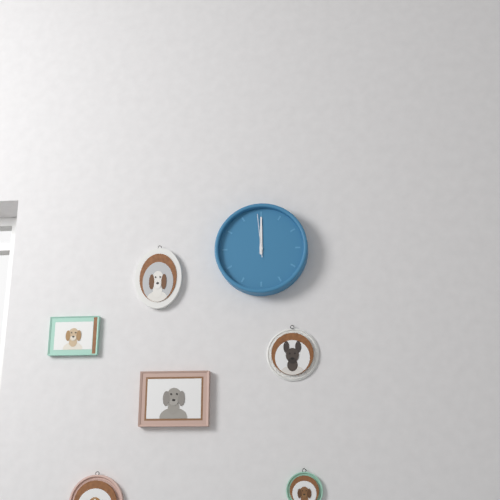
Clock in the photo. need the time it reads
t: 12:00
